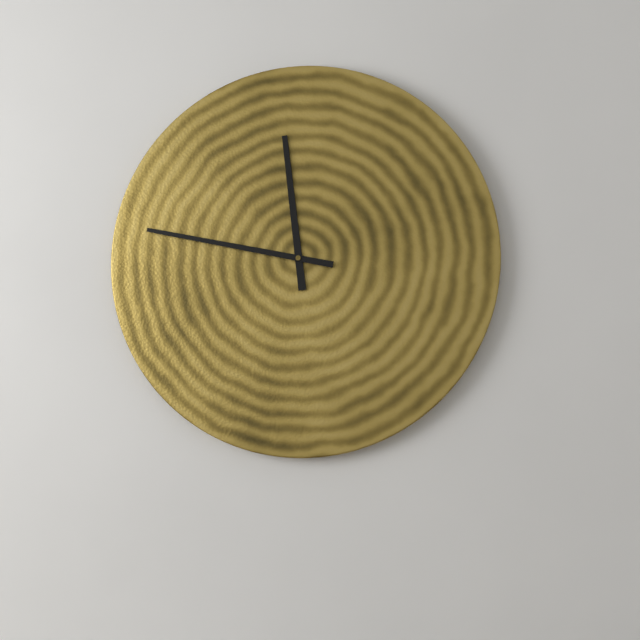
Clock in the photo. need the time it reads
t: 11:47
